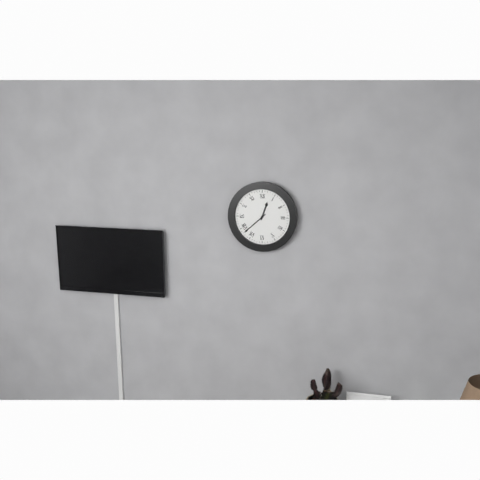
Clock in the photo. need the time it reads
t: 12:38
